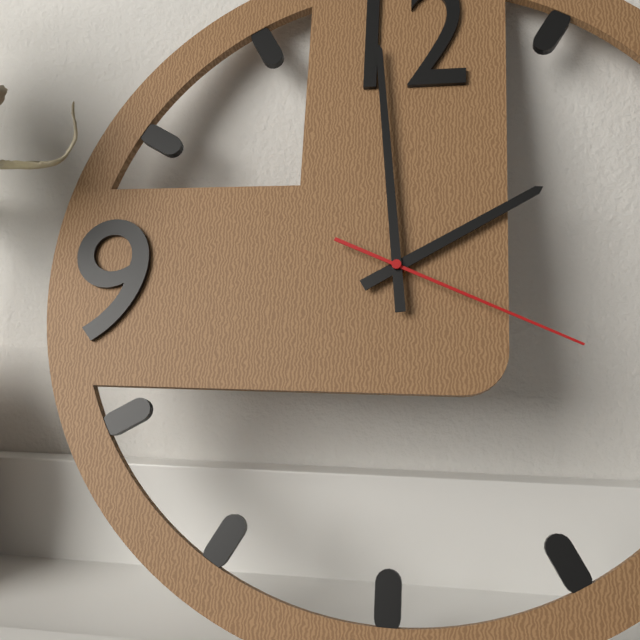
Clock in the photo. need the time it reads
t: 1:59:19
